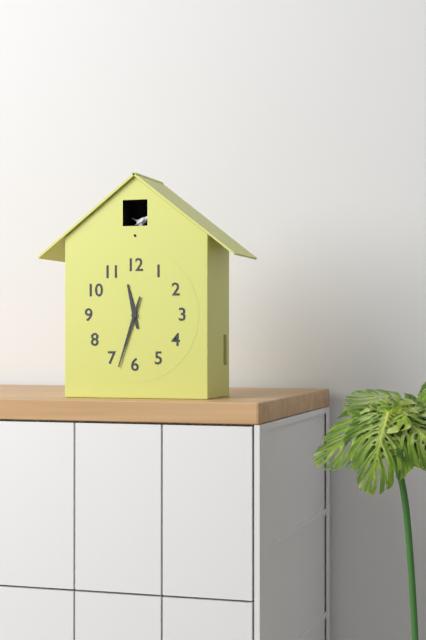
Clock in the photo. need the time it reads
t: 11:33
